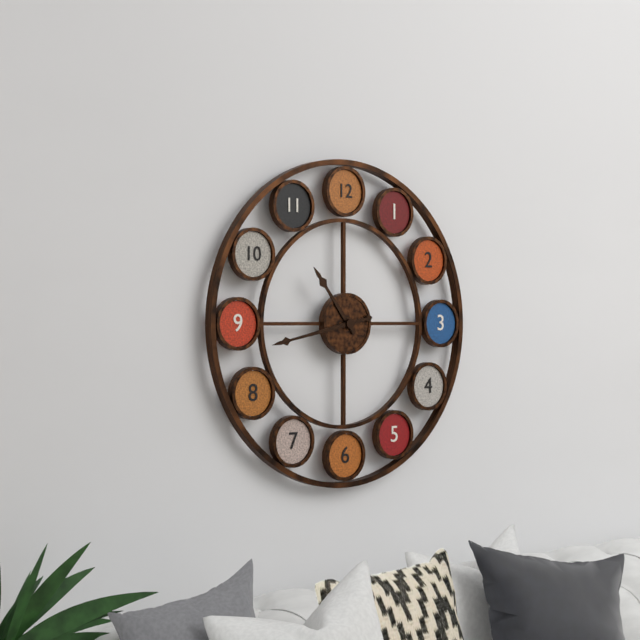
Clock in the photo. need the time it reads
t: 10:43
